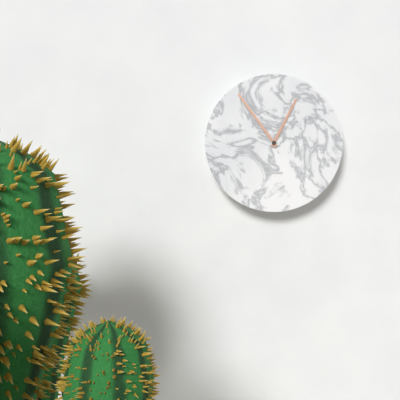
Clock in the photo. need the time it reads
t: 12:54
